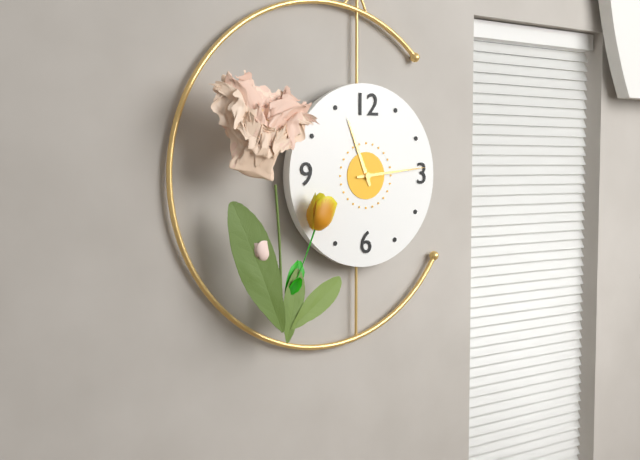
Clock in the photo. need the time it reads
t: 11:14
